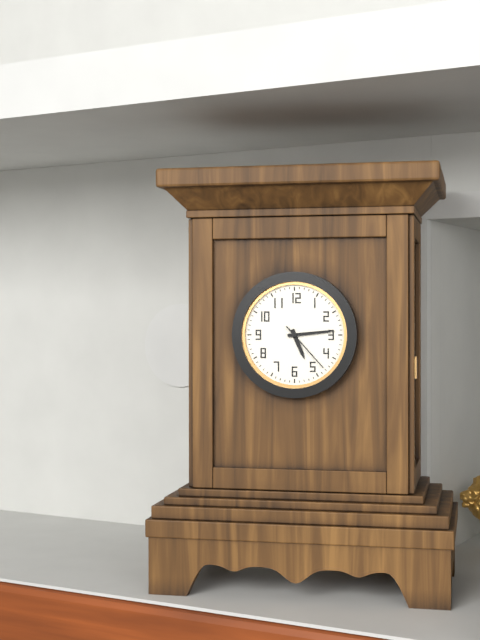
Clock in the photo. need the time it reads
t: 5:14
